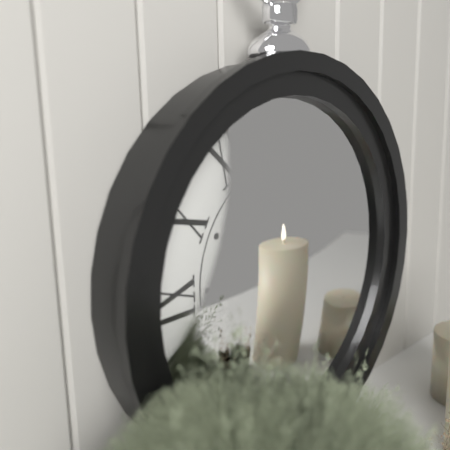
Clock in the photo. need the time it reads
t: 10:10
